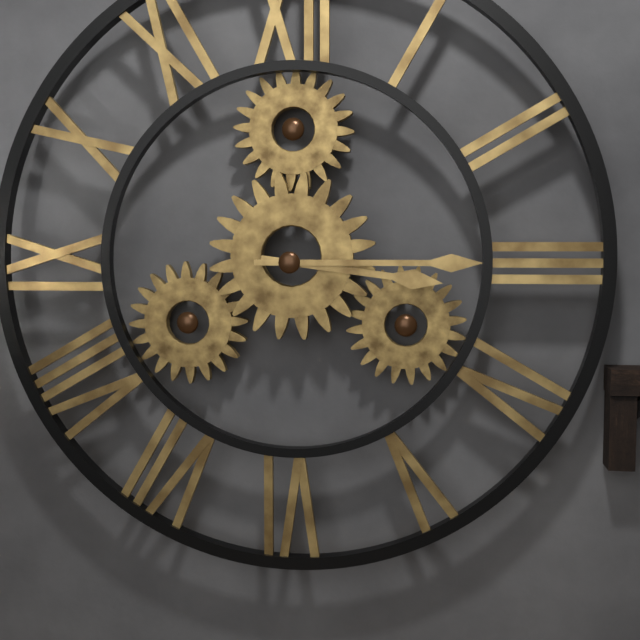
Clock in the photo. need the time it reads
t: 3:15
